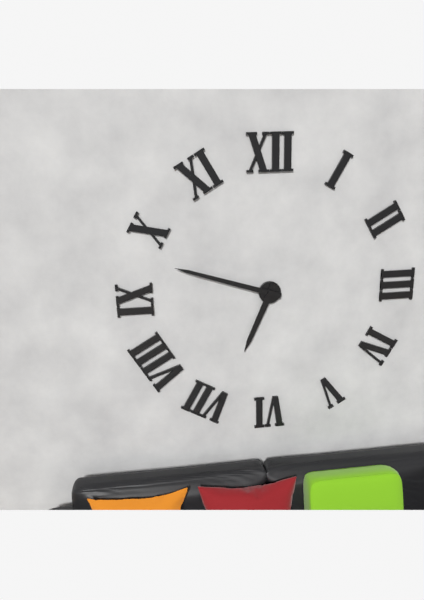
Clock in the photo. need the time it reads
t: 6:48
